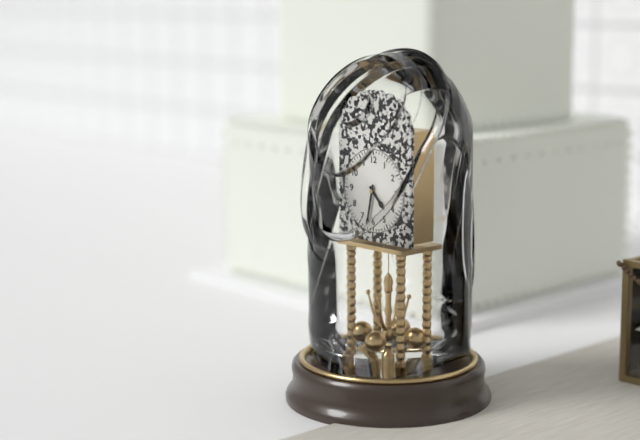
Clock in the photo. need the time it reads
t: 4:32
